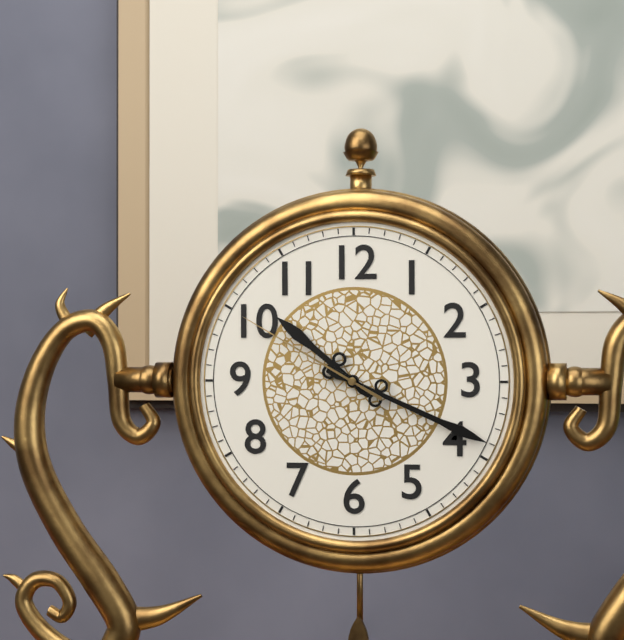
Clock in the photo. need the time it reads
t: 10:19:50
